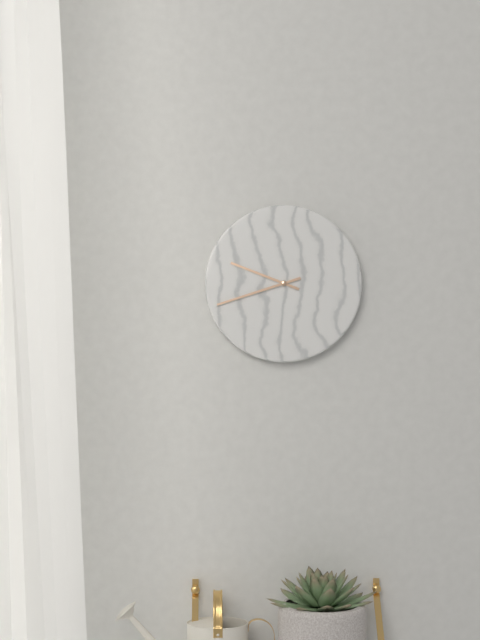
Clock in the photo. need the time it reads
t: 9:42
